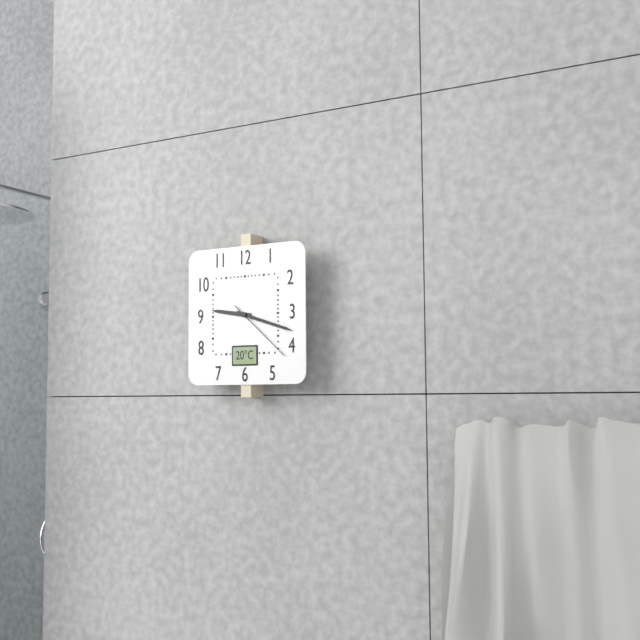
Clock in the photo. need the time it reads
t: 9:18:22
